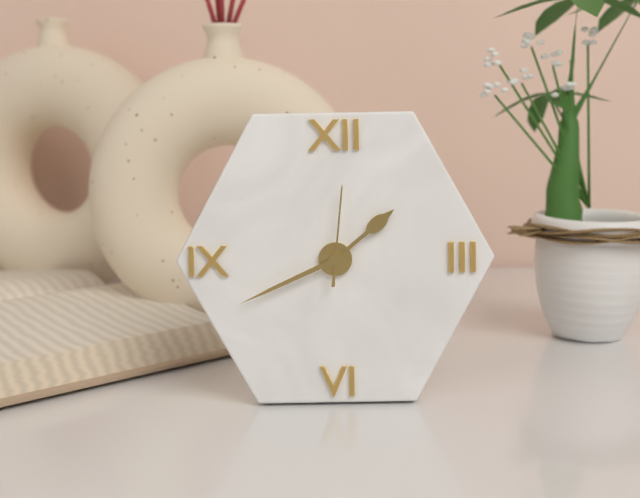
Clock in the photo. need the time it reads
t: 1:41:01
